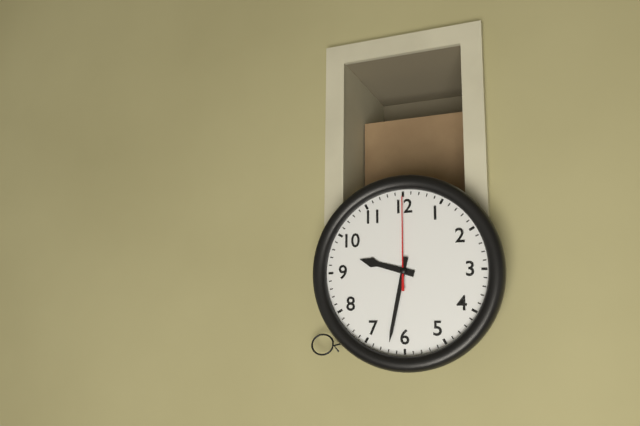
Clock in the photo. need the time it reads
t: 9:32:00
